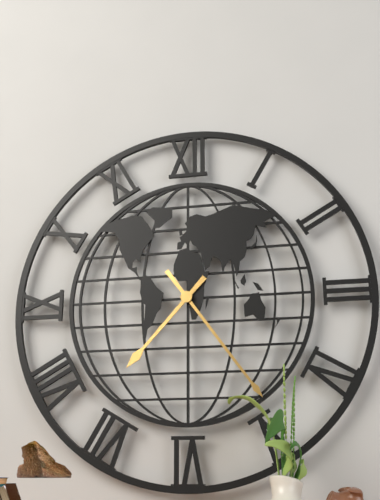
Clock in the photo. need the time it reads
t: 7:24
